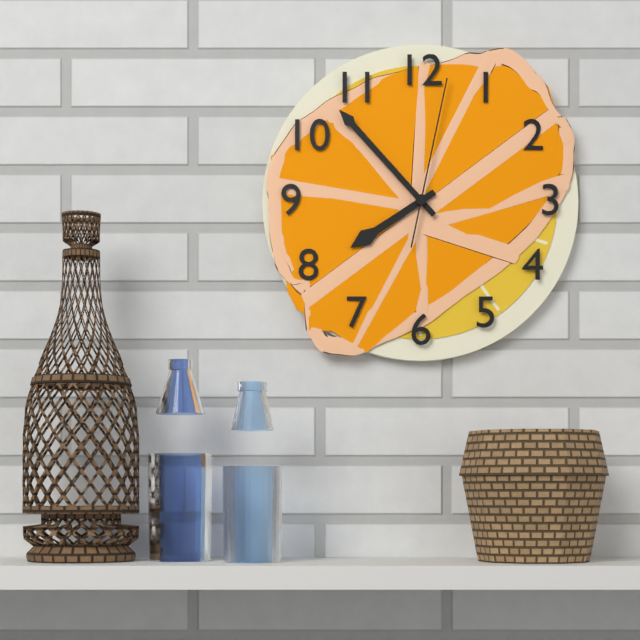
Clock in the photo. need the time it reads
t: 7:53:02
